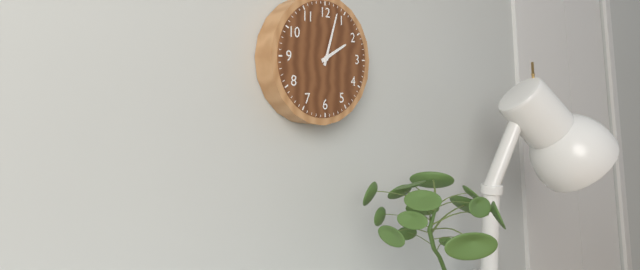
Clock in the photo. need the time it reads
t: 2:03
